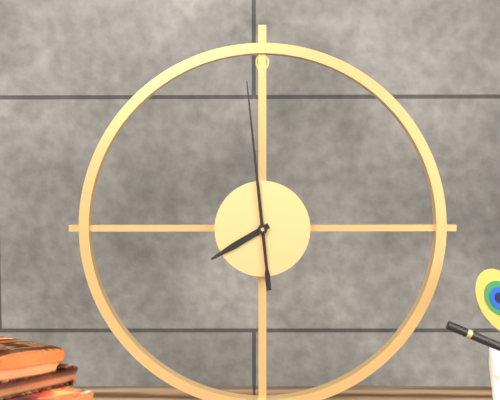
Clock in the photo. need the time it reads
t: 7:59
